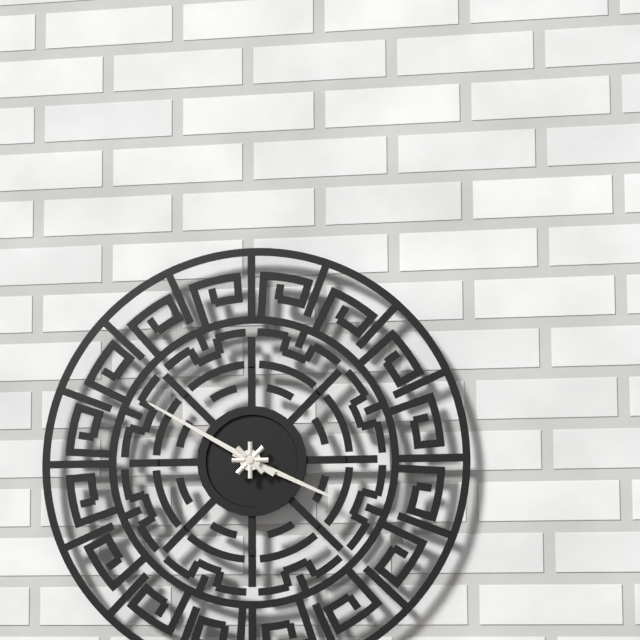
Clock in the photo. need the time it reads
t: 3:50
